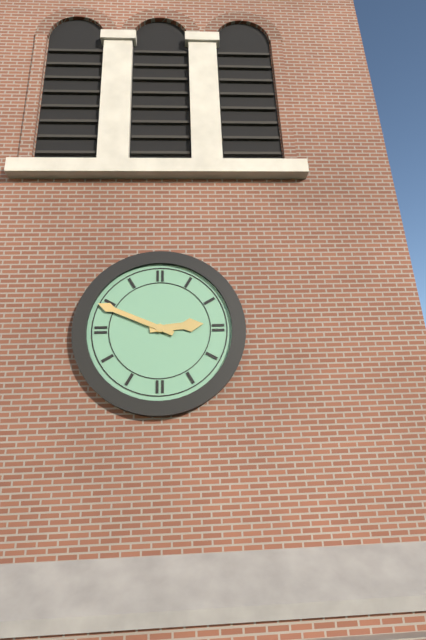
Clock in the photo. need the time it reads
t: 2:49
